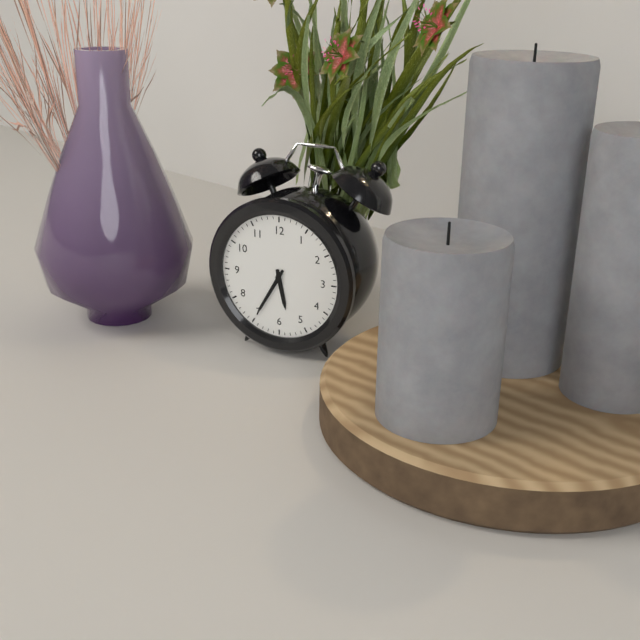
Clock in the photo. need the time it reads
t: 5:35
